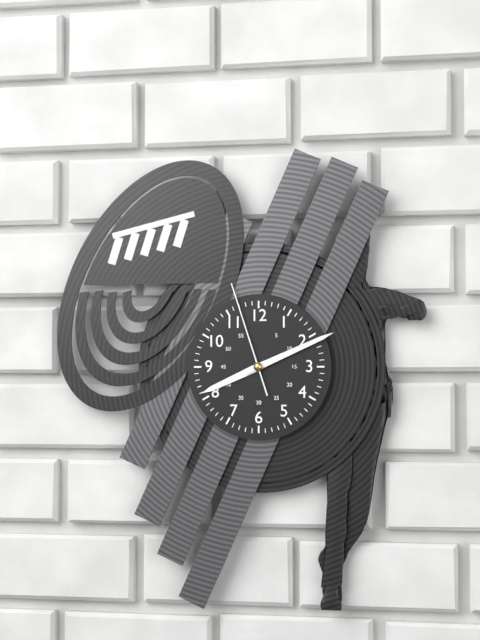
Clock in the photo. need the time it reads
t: 8:11:57
